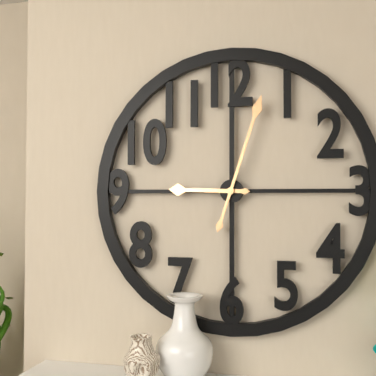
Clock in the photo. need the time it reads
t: 9:03
